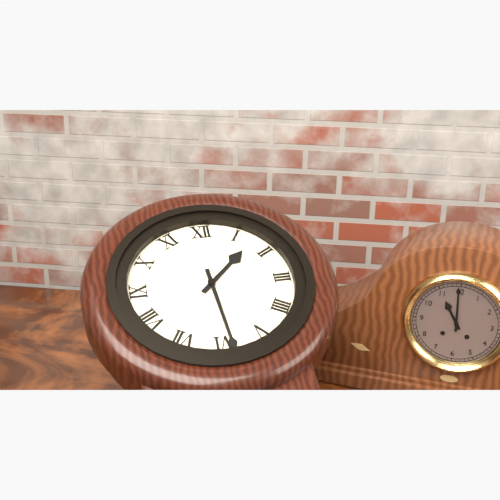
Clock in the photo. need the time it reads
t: 1:29
